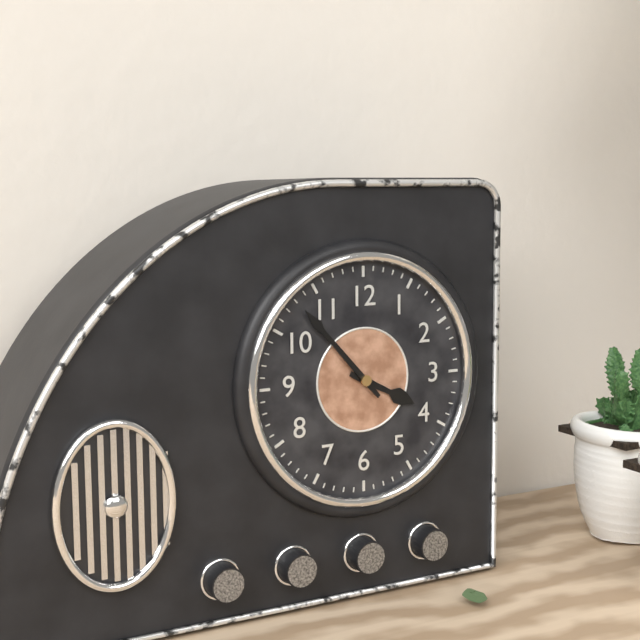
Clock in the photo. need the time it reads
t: 3:53
